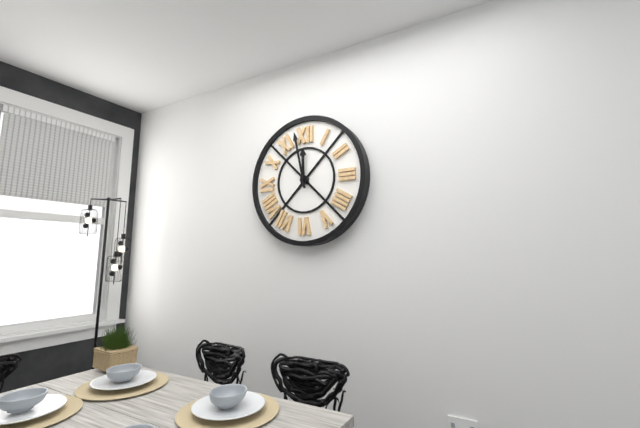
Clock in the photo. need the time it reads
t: 11:58
